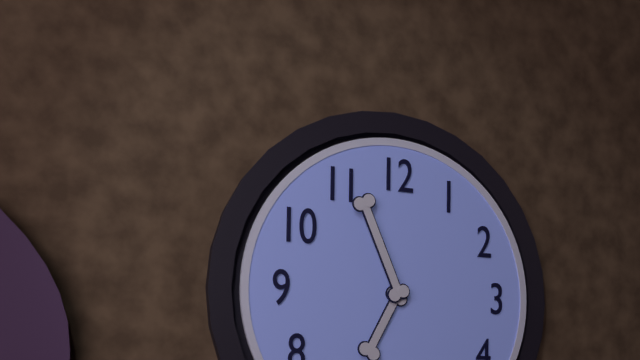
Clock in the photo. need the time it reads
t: 6:56
